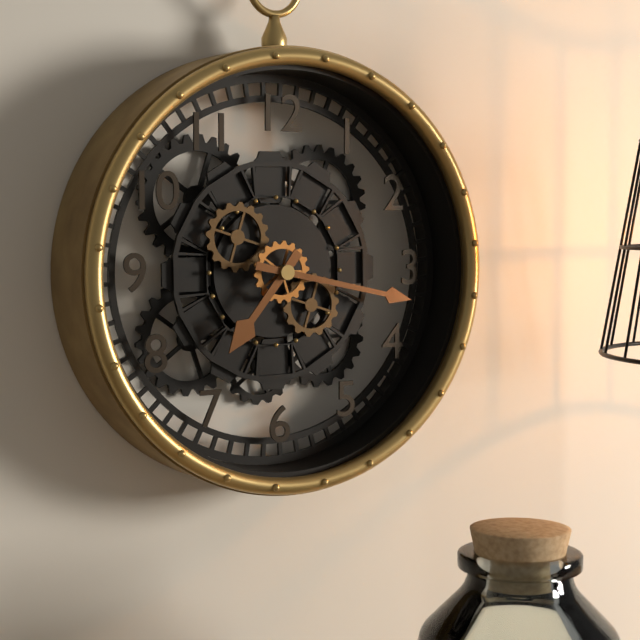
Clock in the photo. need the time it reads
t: 7:17
